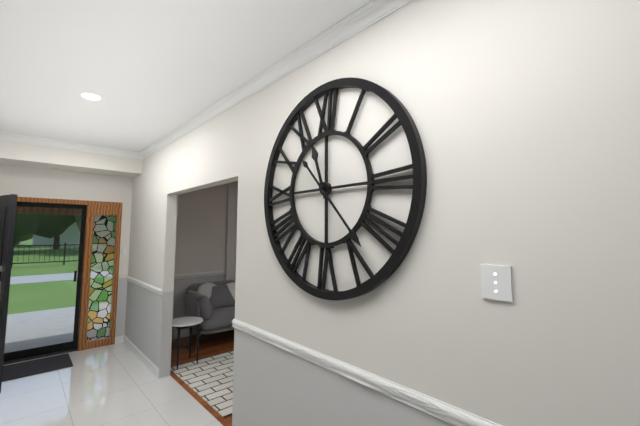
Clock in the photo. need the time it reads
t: 11:23
